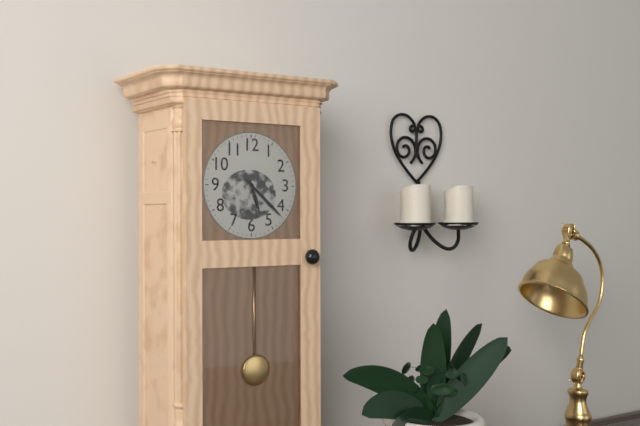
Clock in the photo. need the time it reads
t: 5:22
